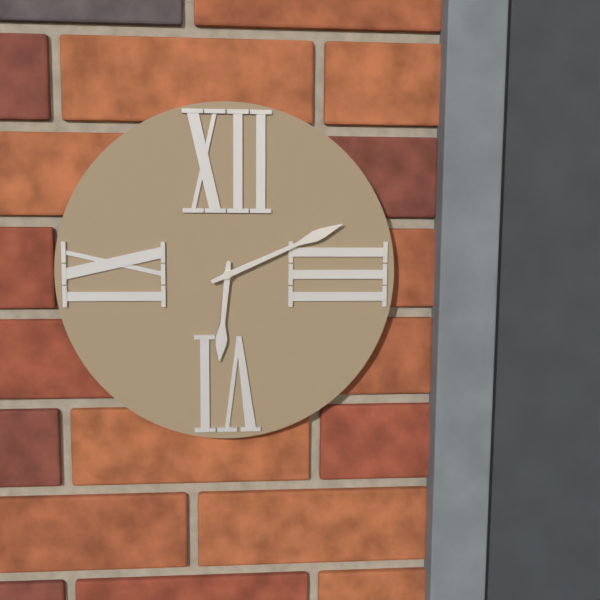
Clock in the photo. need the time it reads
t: 6:11
